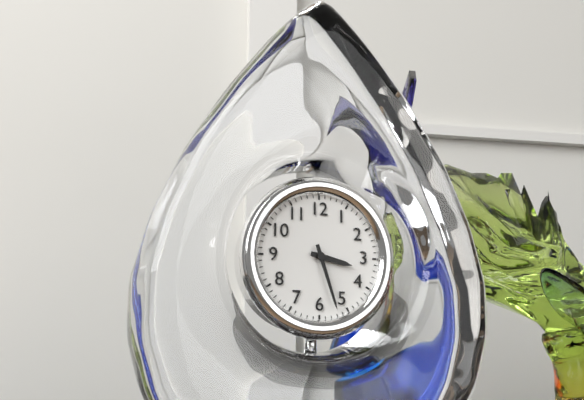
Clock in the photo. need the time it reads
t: 3:27
